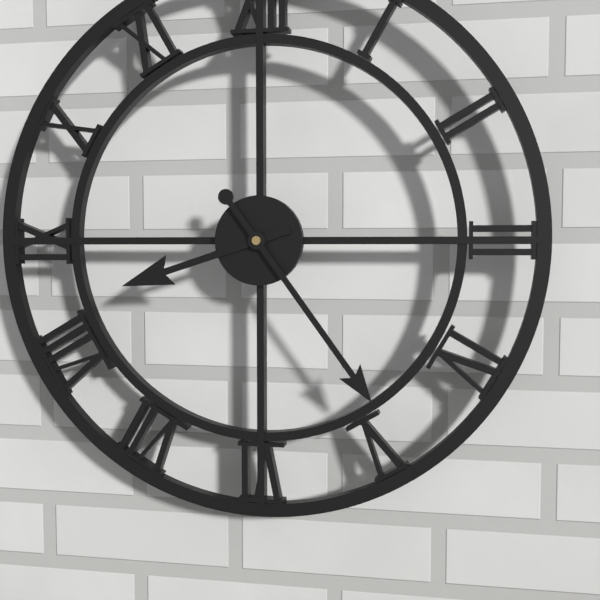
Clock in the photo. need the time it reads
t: 8:24
